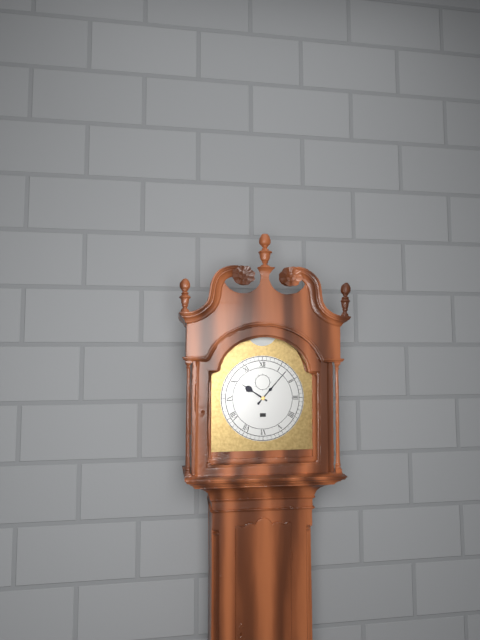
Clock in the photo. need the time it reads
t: 10:07
